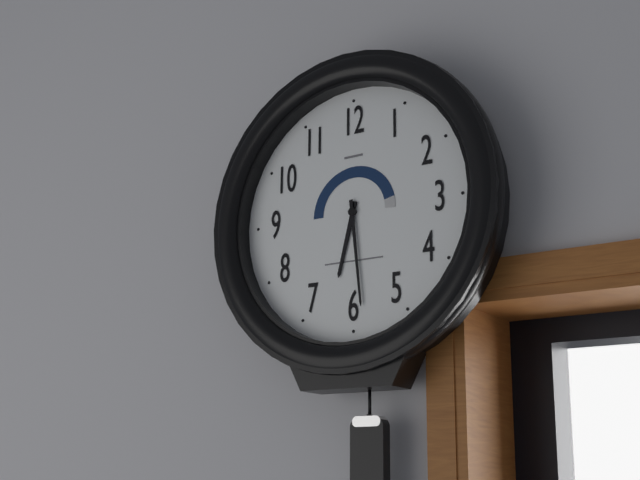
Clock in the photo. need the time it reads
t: 6:29
